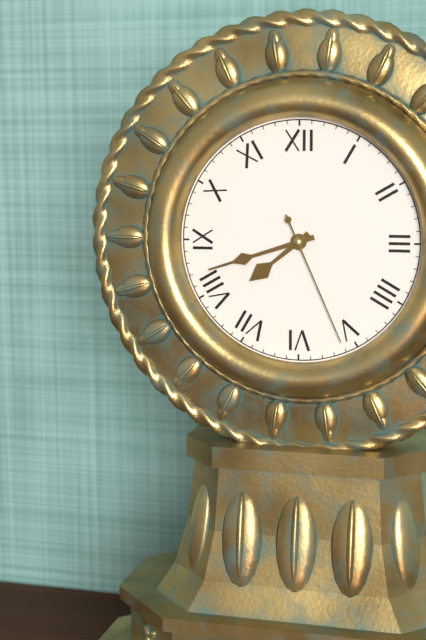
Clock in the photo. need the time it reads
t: 7:42:26
